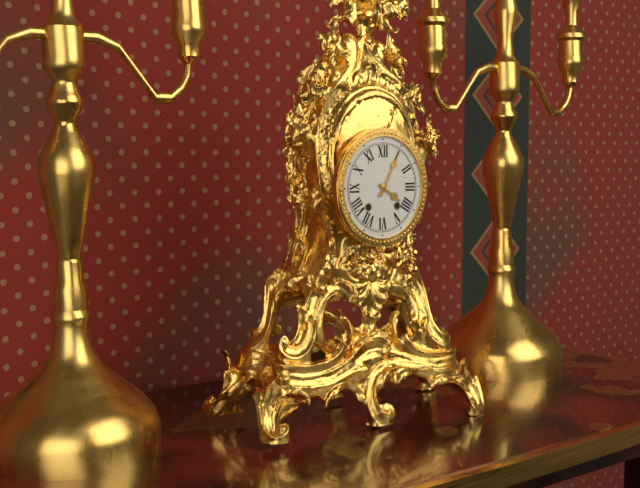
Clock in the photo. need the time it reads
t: 4:05
